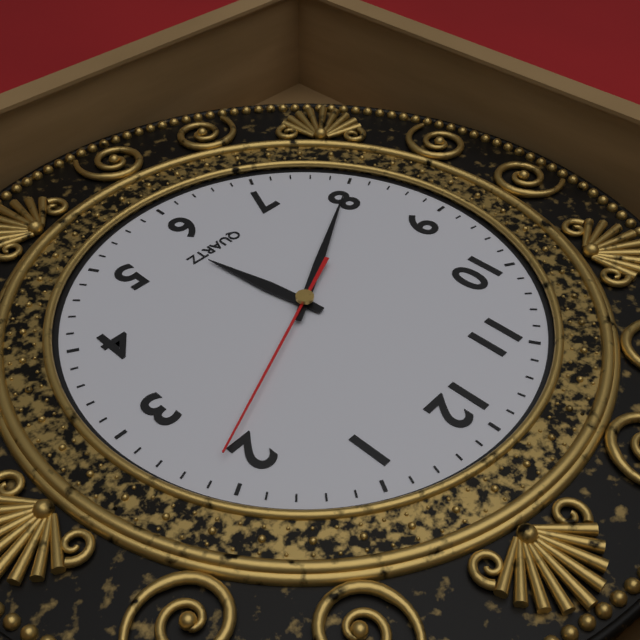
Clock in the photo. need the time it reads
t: 5:40:11
